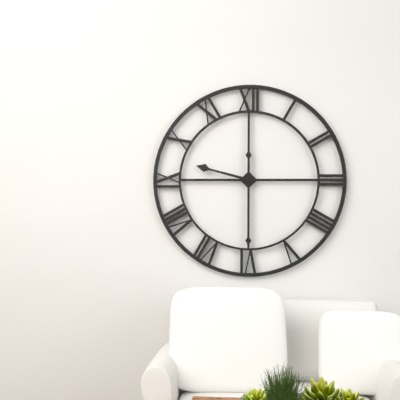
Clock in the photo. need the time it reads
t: 9:30
